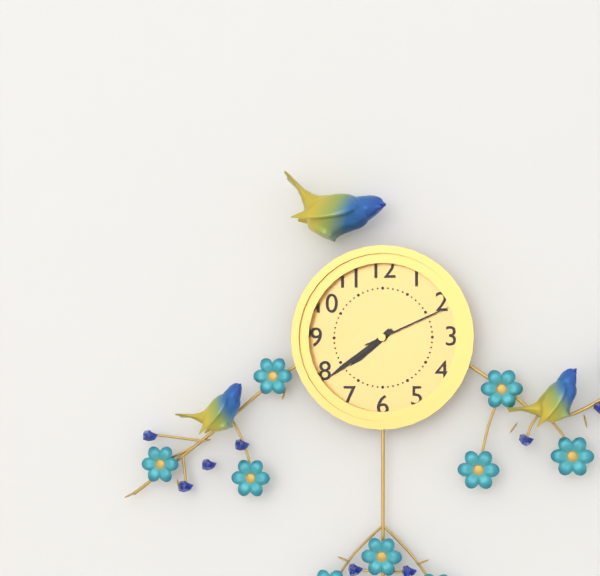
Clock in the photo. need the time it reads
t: 7:39:11
